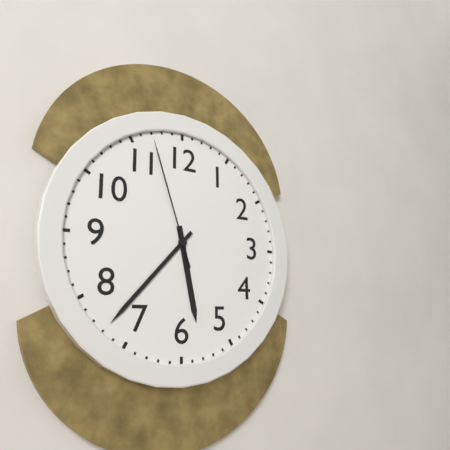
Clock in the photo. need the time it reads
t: 5:37:57
